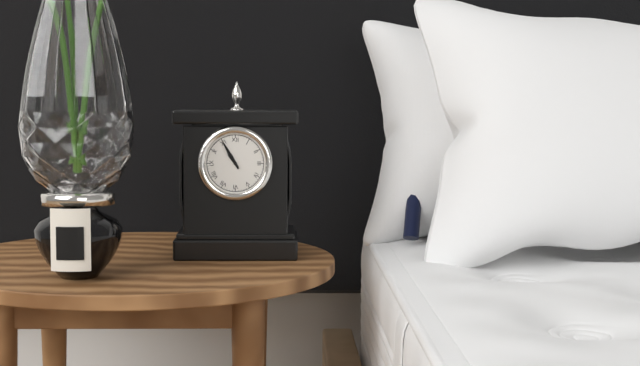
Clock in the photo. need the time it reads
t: 10:55
